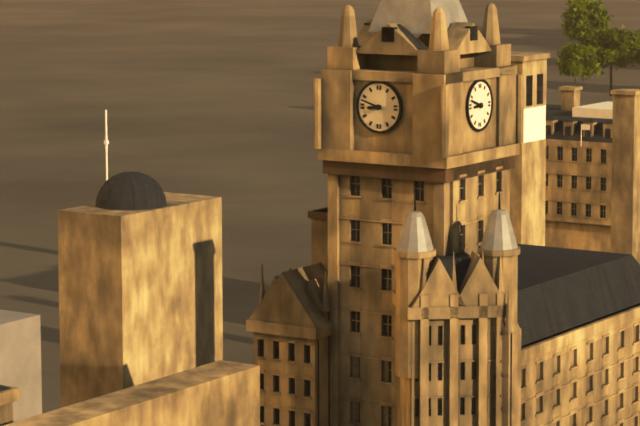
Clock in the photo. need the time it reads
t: 8:48
